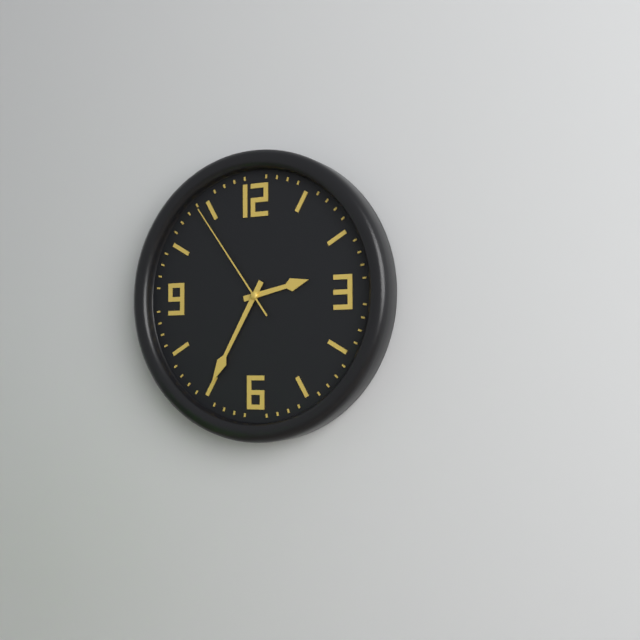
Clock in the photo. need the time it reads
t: 2:35:54
